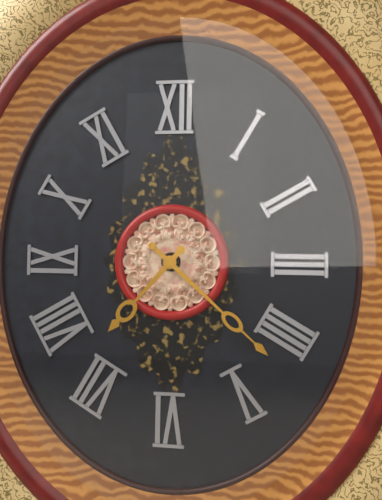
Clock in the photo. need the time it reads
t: 7:22
